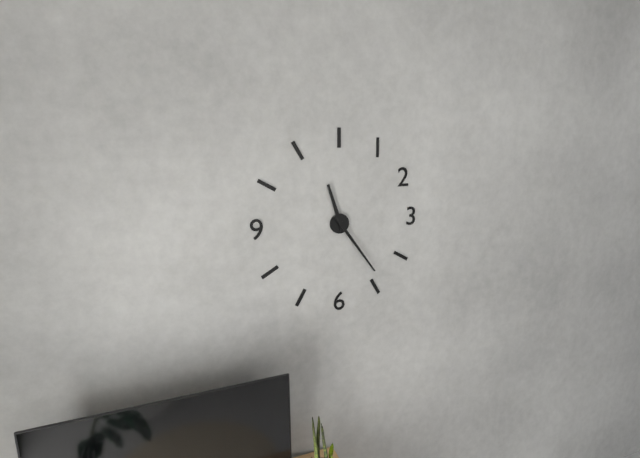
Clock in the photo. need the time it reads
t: 11:24
